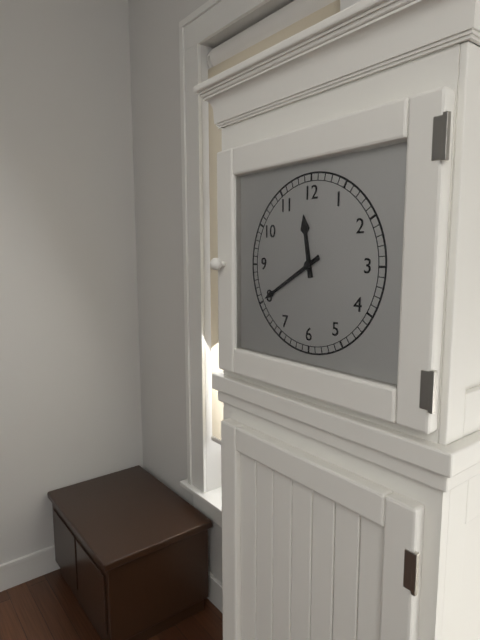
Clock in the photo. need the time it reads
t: 11:40
